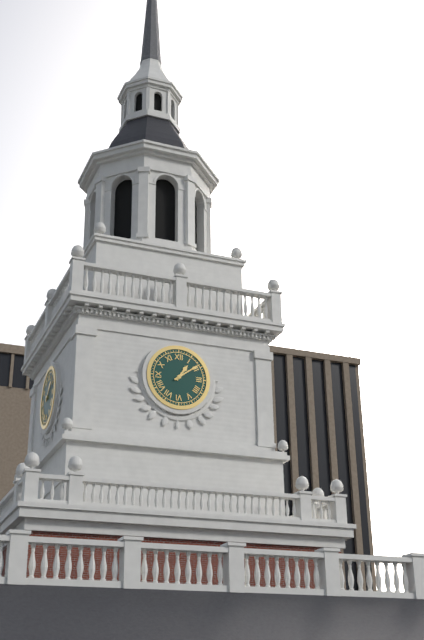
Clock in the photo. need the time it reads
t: 1:09
